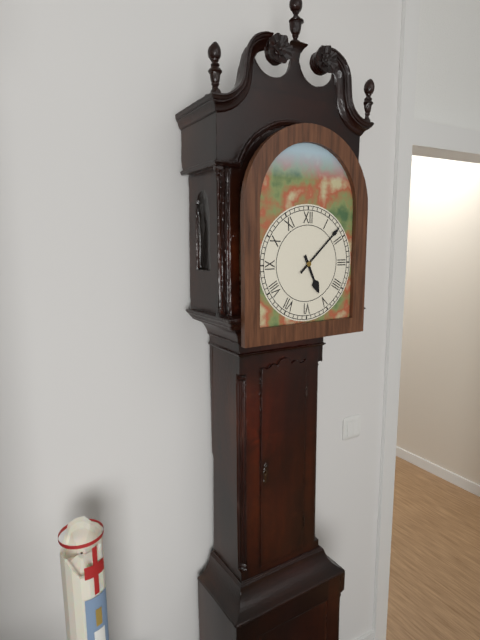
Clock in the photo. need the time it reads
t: 5:08
